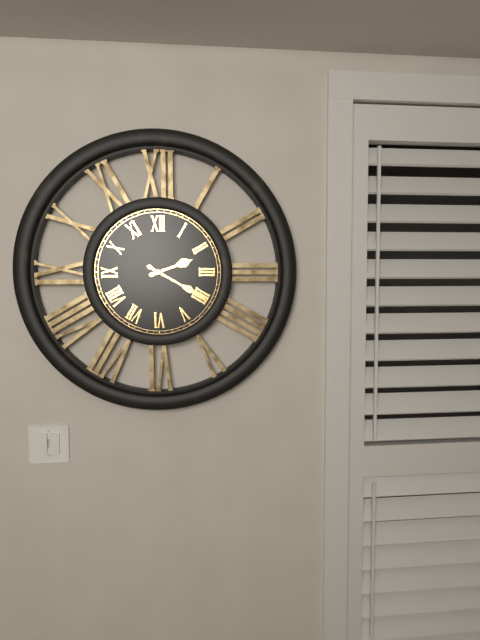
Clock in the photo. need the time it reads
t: 2:20
